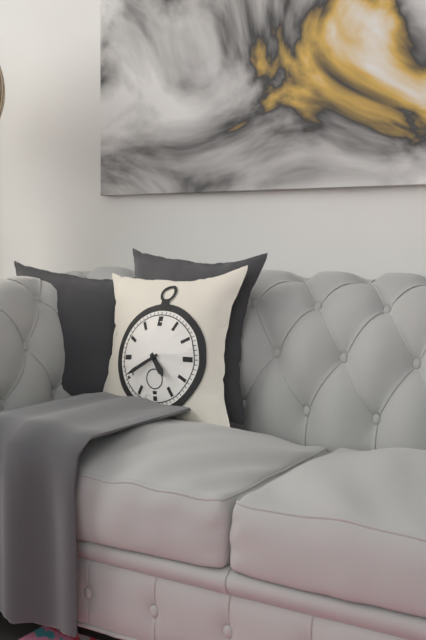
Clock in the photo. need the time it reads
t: 4:40
